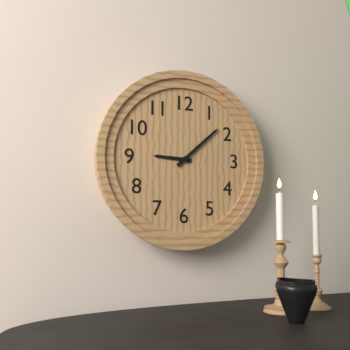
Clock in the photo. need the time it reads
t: 9:08
